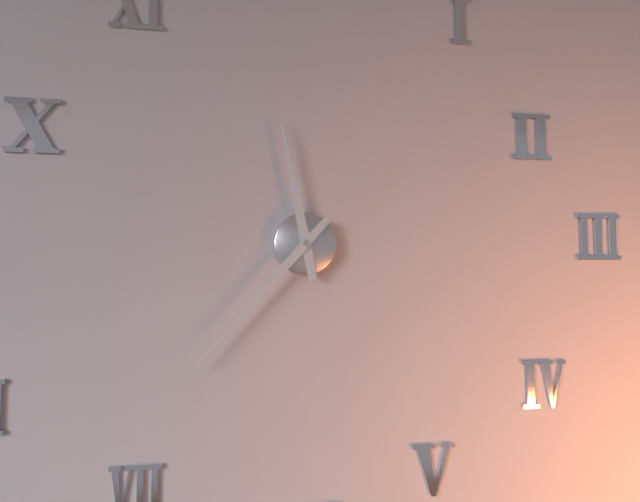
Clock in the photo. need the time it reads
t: 11:37
